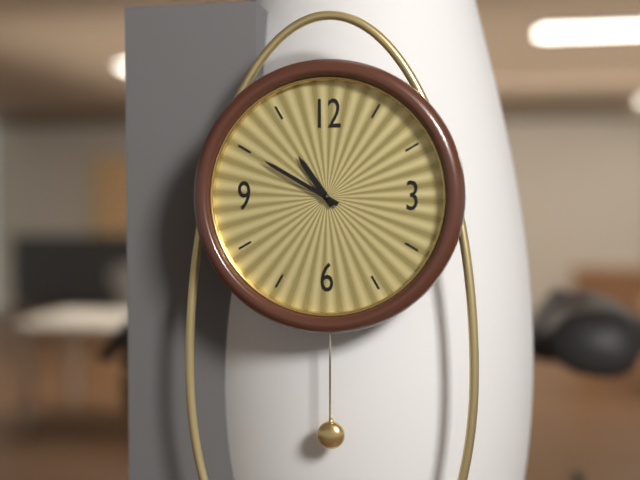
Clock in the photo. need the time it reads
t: 10:50
